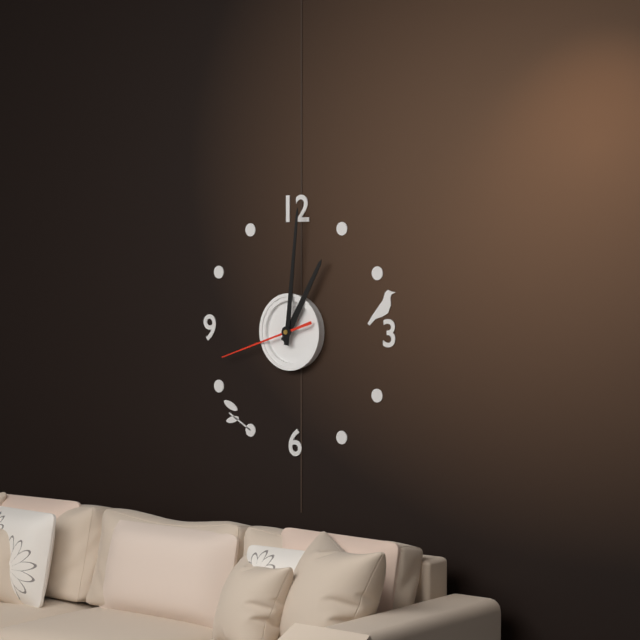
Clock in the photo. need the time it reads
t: 1:01:42
